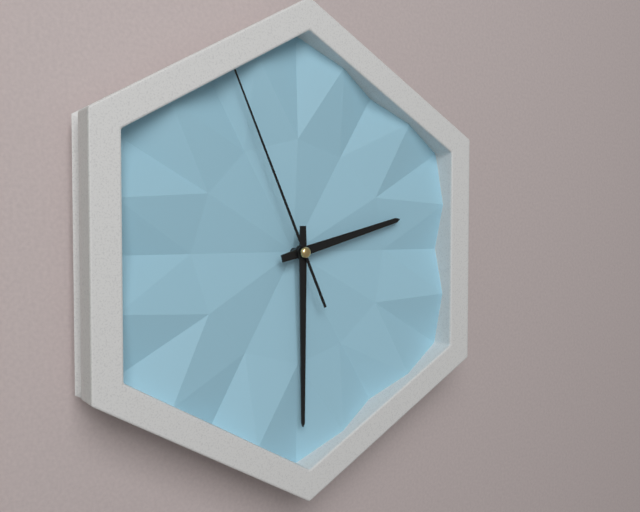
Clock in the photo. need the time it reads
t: 2:30:56
